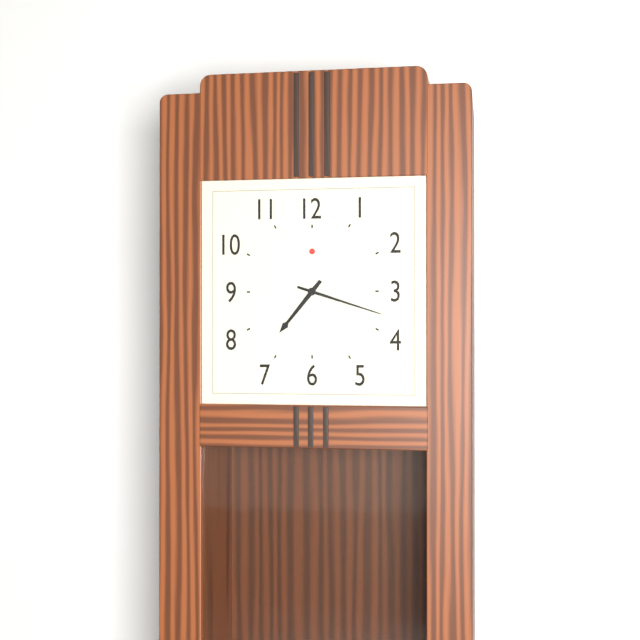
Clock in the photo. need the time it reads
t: 7:18
